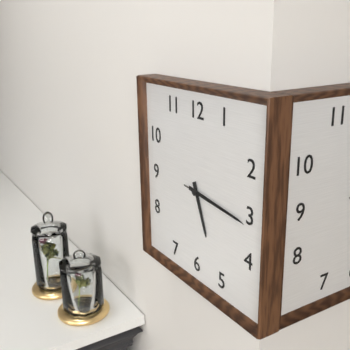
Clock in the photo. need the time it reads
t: 5:16:16
